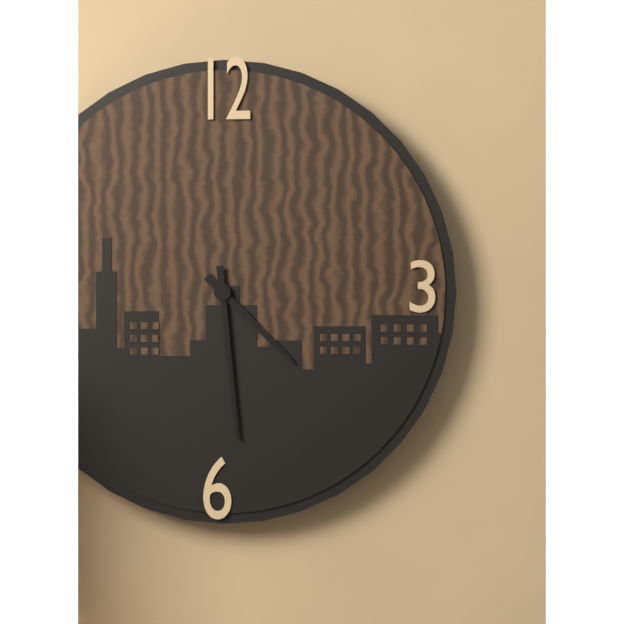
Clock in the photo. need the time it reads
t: 4:29
